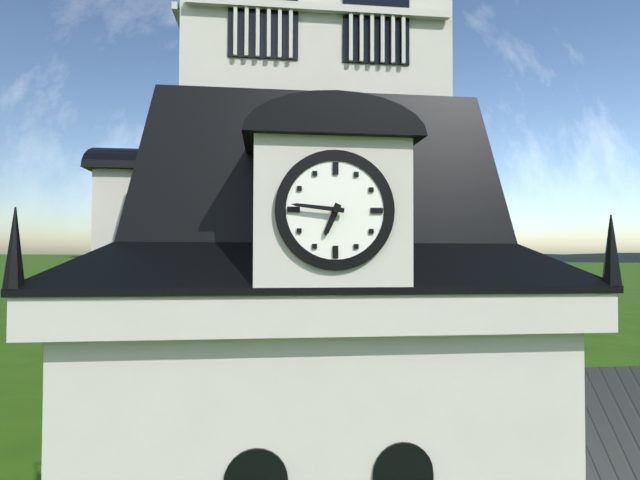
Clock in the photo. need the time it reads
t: 6:46
